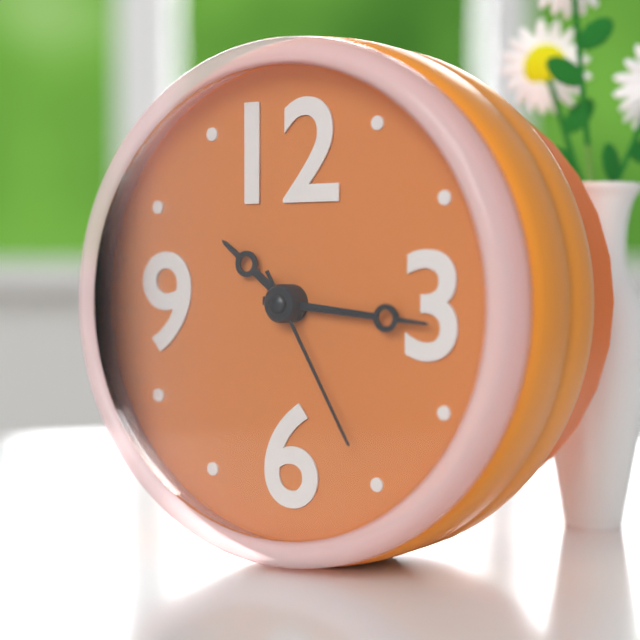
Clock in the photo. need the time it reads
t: 10:16:25
